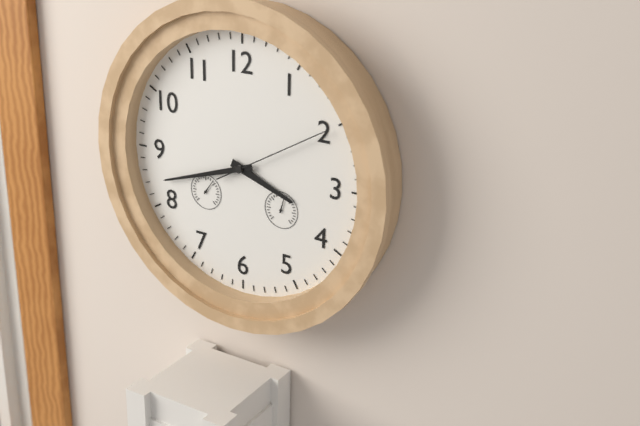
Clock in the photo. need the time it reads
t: 3:42:10
